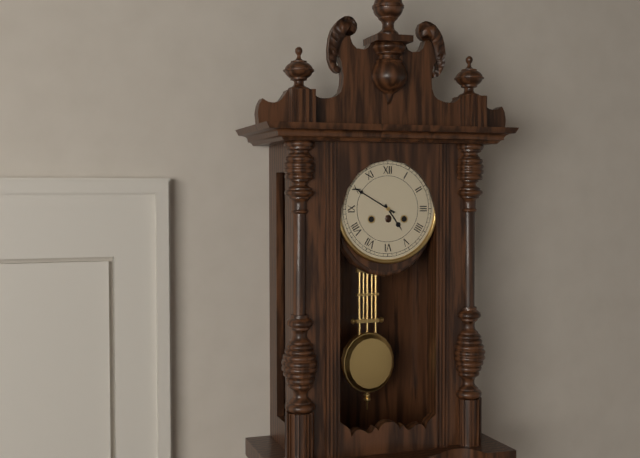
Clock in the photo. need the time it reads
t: 4:50
